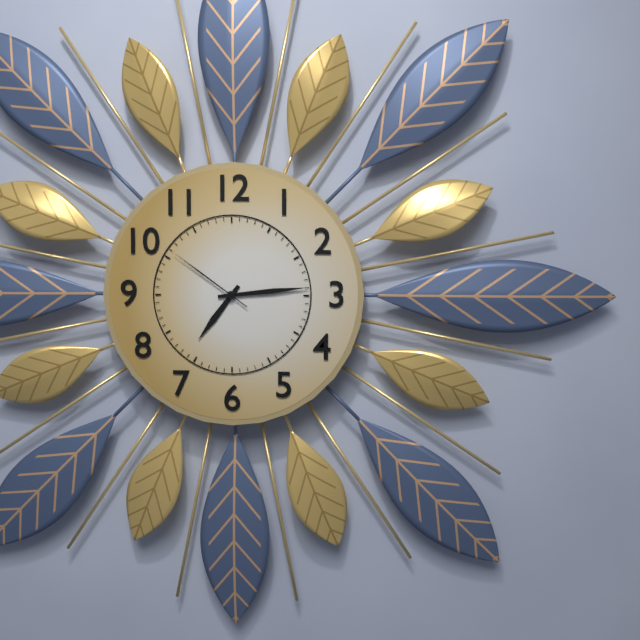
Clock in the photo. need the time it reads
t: 7:14:51
